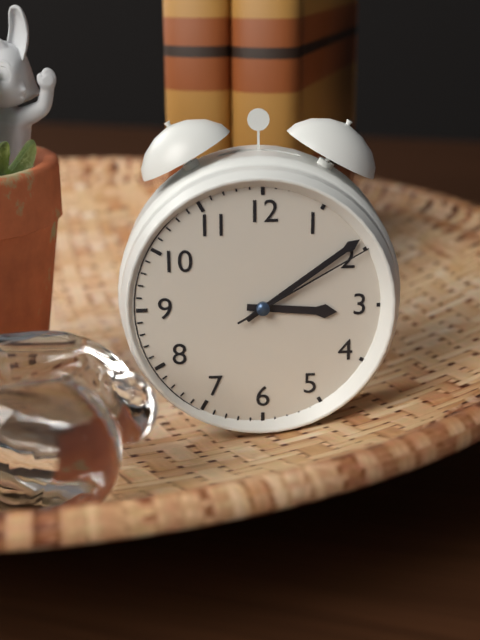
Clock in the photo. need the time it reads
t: 3:09:10
